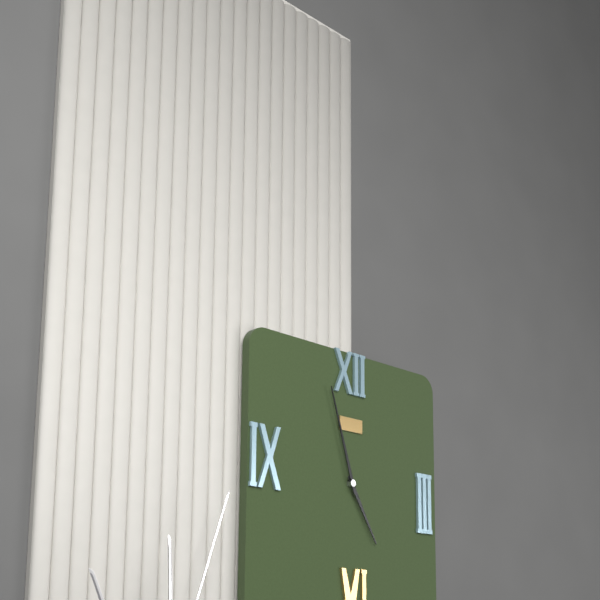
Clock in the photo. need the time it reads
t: 4:57
